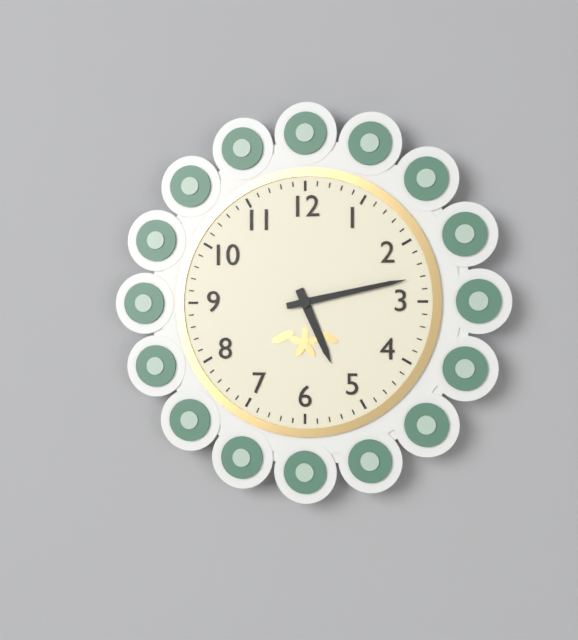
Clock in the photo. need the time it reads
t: 5:13
